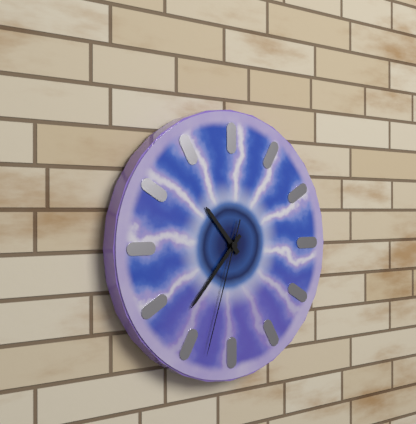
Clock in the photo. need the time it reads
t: 10:37:33
